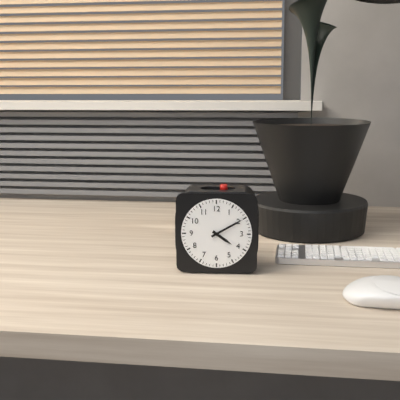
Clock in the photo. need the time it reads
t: 4:10
